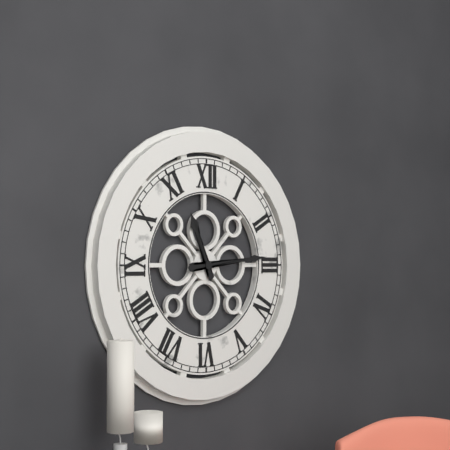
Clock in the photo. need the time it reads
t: 11:14
